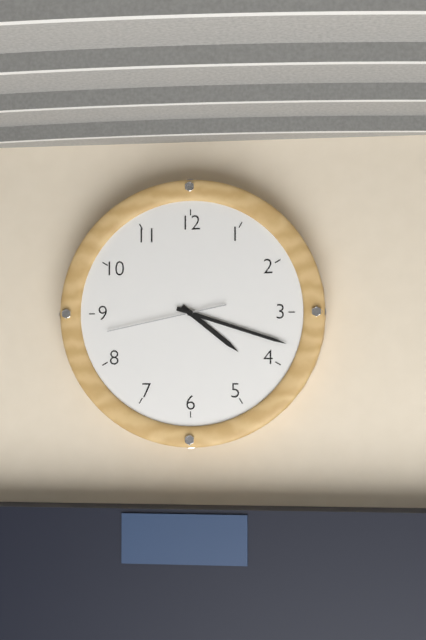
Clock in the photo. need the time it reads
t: 4:18:43
